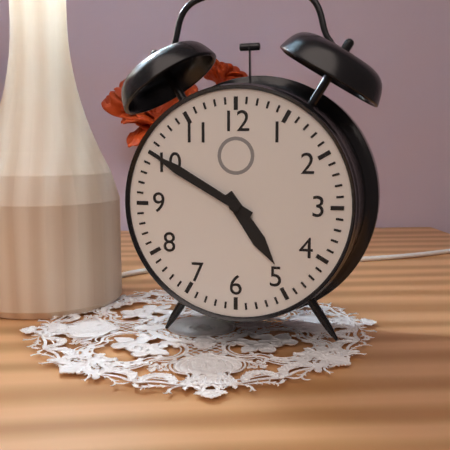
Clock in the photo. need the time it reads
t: 4:50
